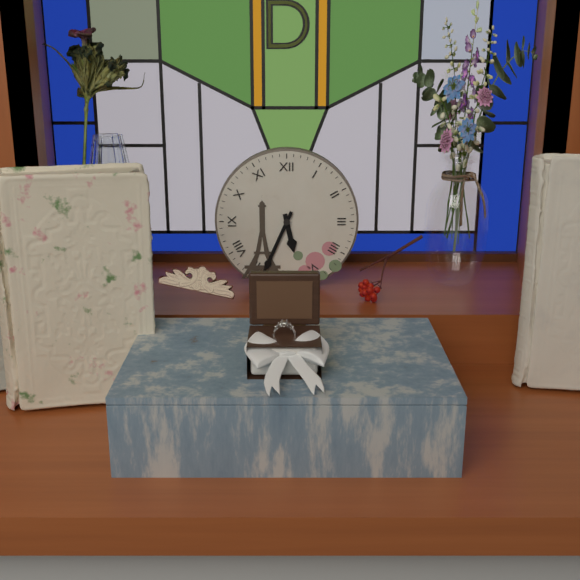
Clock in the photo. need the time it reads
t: 5:34
